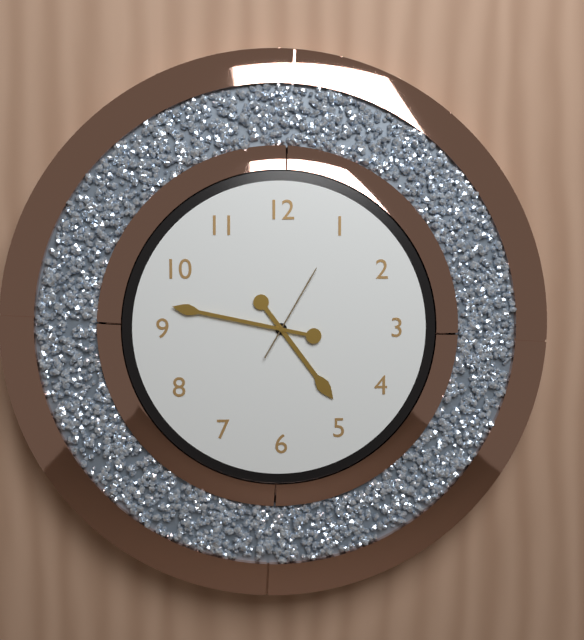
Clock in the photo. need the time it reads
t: 4:47:05
